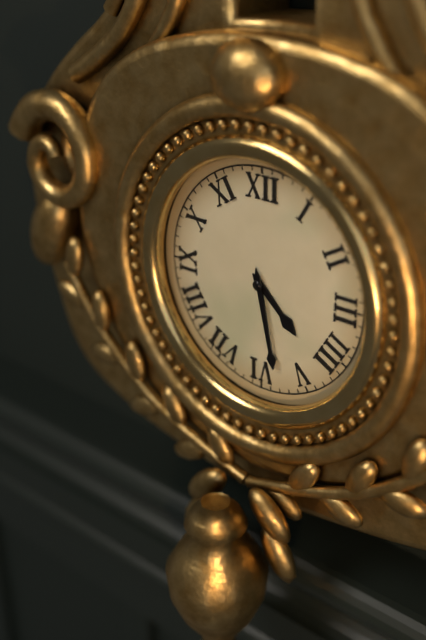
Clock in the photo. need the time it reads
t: 4:28
